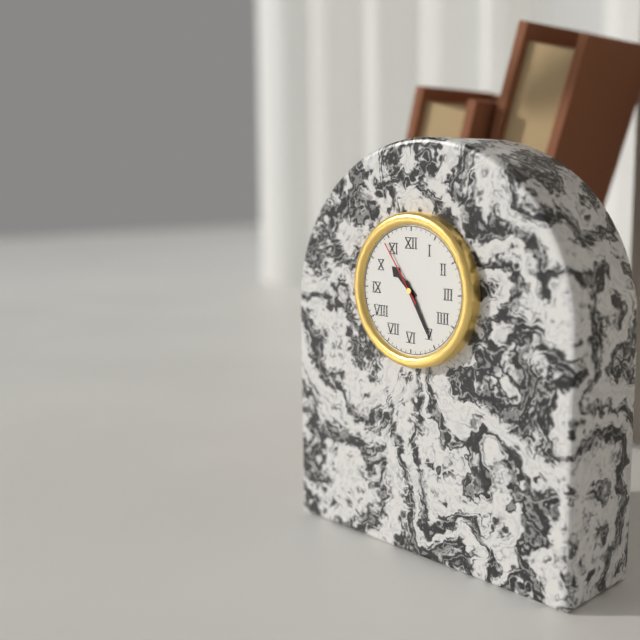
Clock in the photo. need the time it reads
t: 10:25:54
